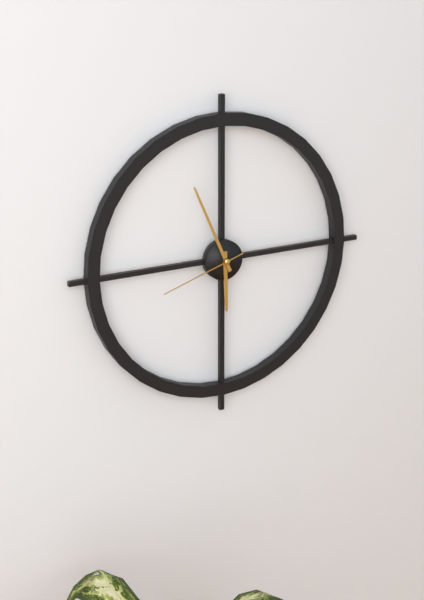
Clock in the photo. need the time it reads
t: 5:56:42
